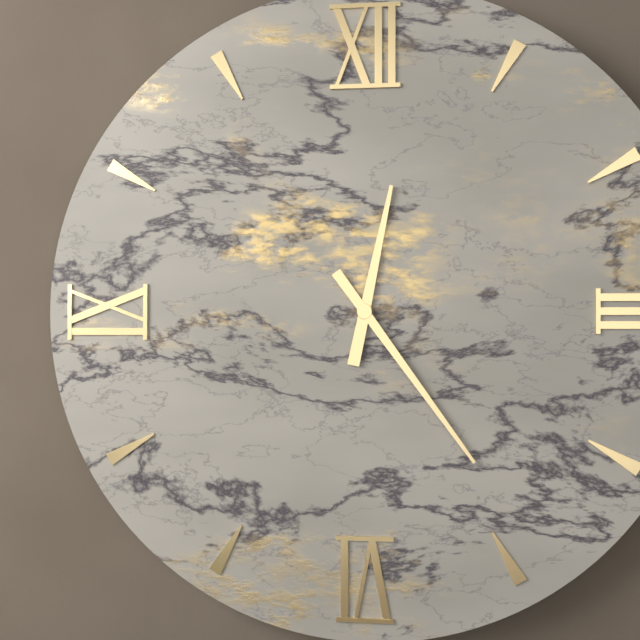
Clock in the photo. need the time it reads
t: 12:24
